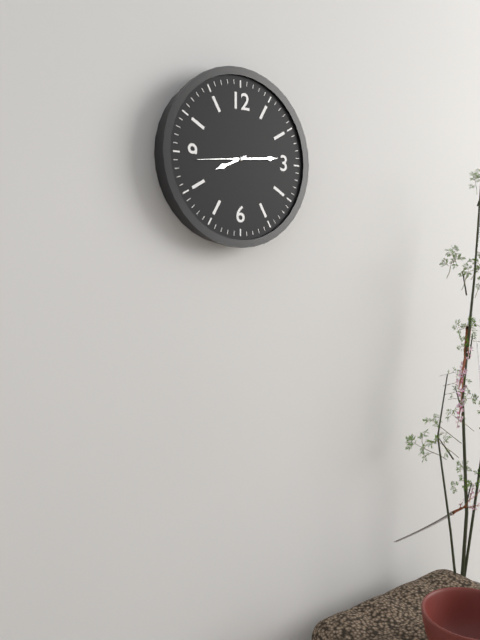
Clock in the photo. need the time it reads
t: 8:14:44
